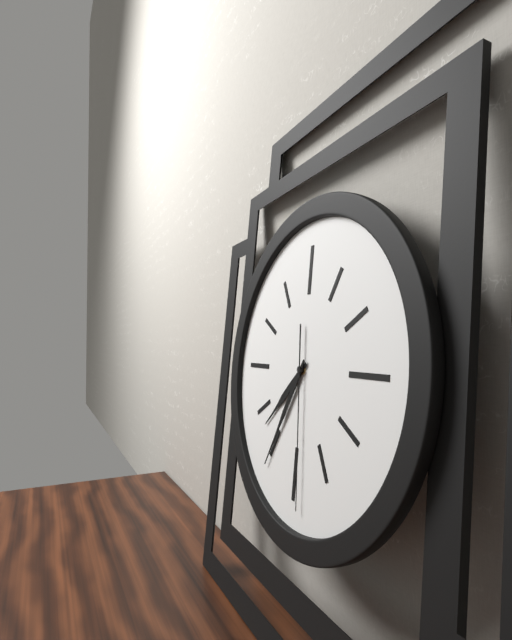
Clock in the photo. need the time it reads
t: 7:35:29
